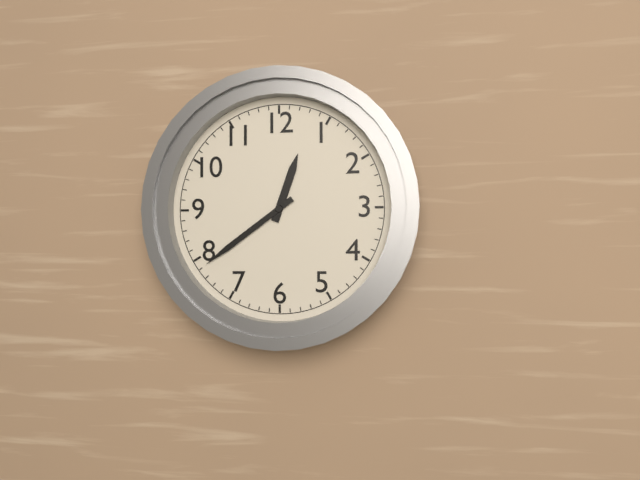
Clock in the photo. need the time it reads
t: 12:39
